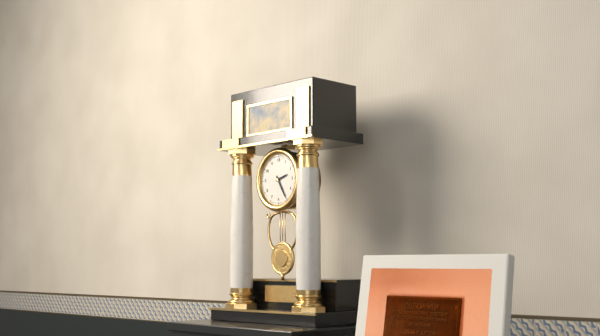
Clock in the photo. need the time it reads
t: 2:25
